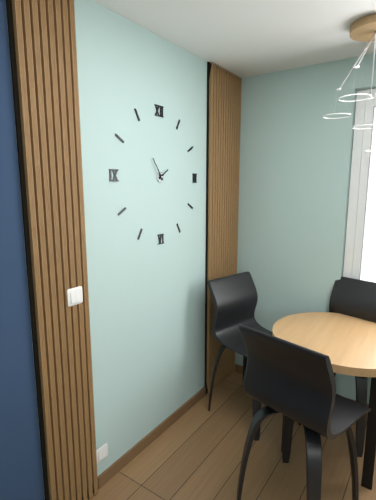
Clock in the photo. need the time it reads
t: 1:54
